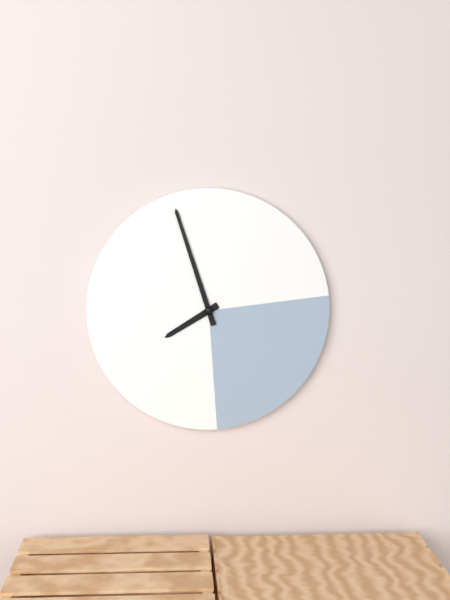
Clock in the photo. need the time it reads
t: 7:57
